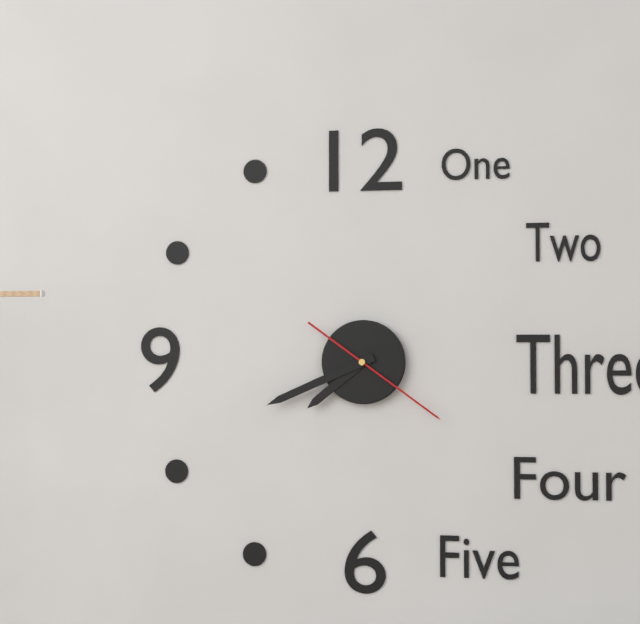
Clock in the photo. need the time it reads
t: 7:41:21
